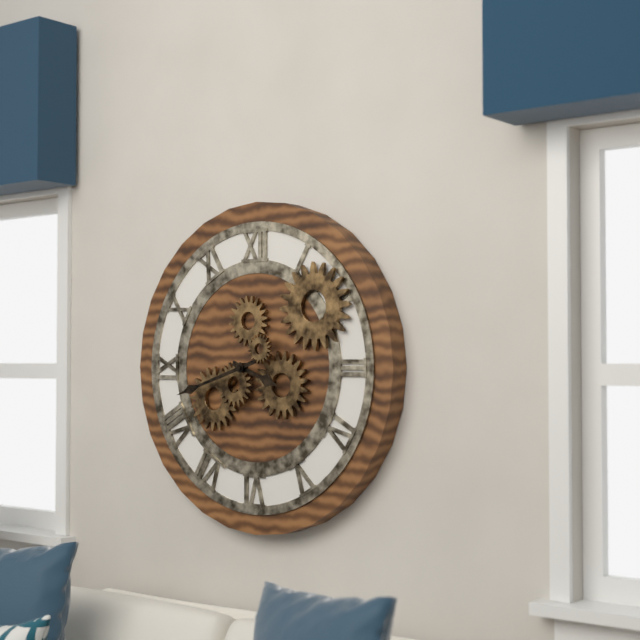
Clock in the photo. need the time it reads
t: 3:42
